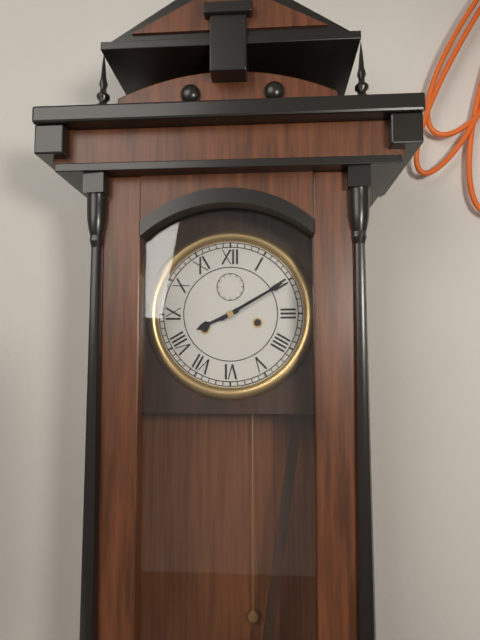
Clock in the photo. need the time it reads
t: 8:10
